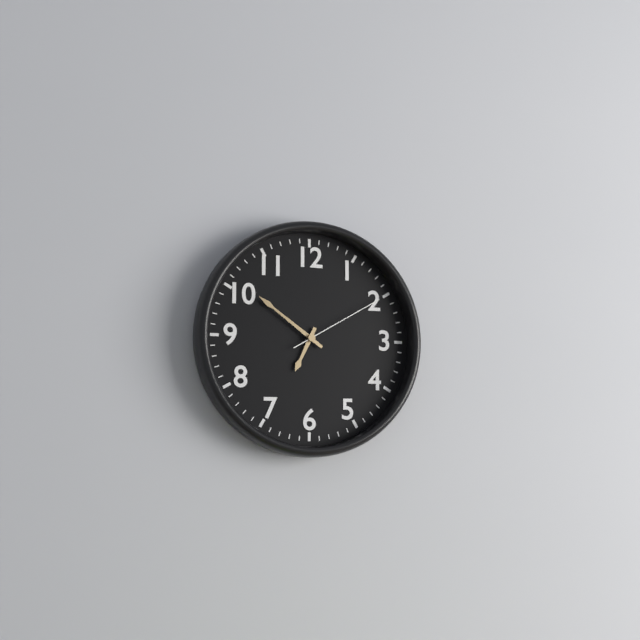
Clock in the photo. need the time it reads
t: 6:51:10
